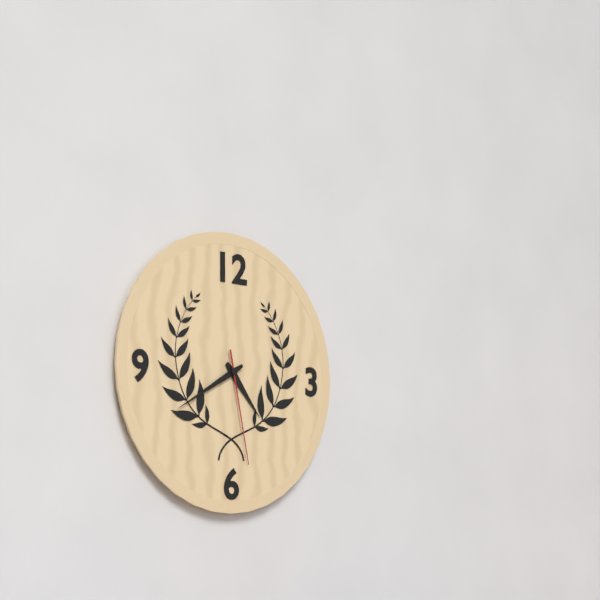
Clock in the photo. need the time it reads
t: 4:40:28
